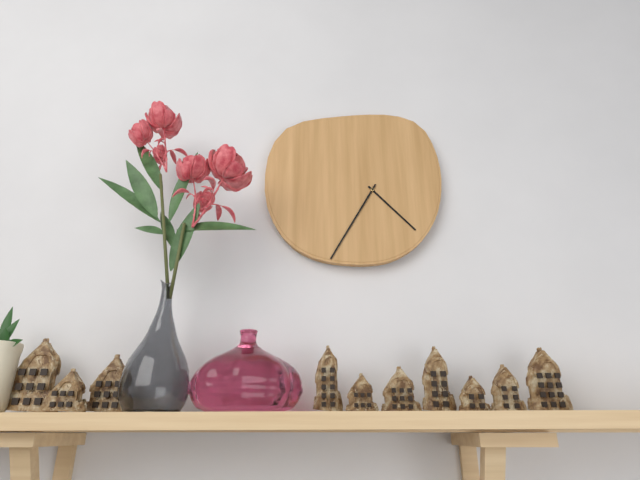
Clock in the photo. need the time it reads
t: 4:35
